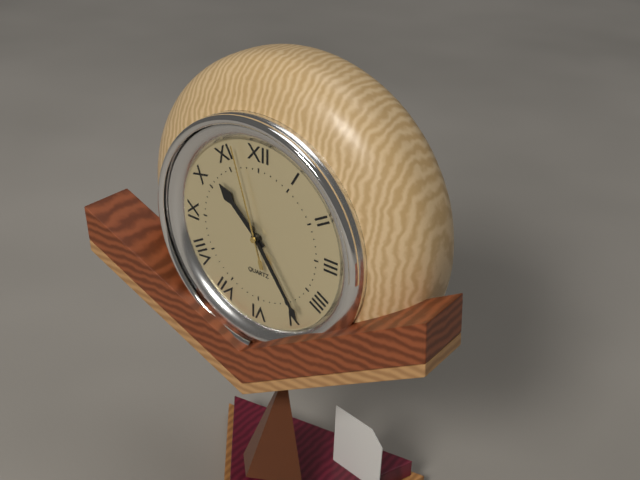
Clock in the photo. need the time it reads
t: 10:24:57
